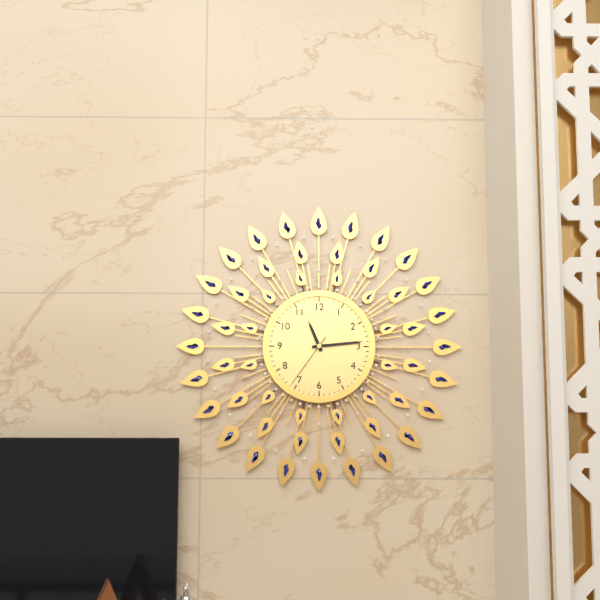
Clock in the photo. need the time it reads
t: 11:14:36
